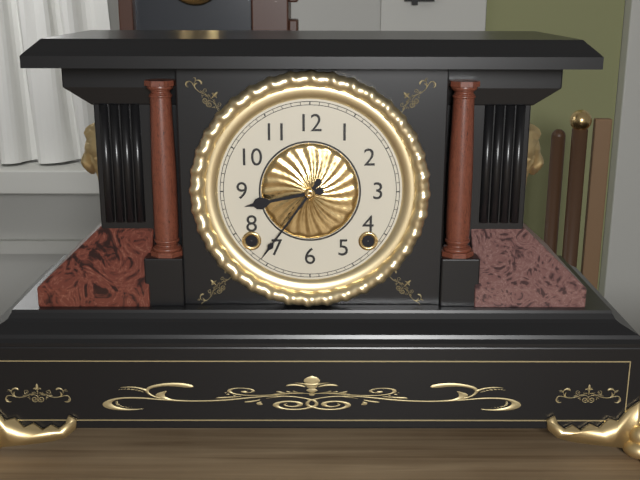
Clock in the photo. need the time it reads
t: 8:36
